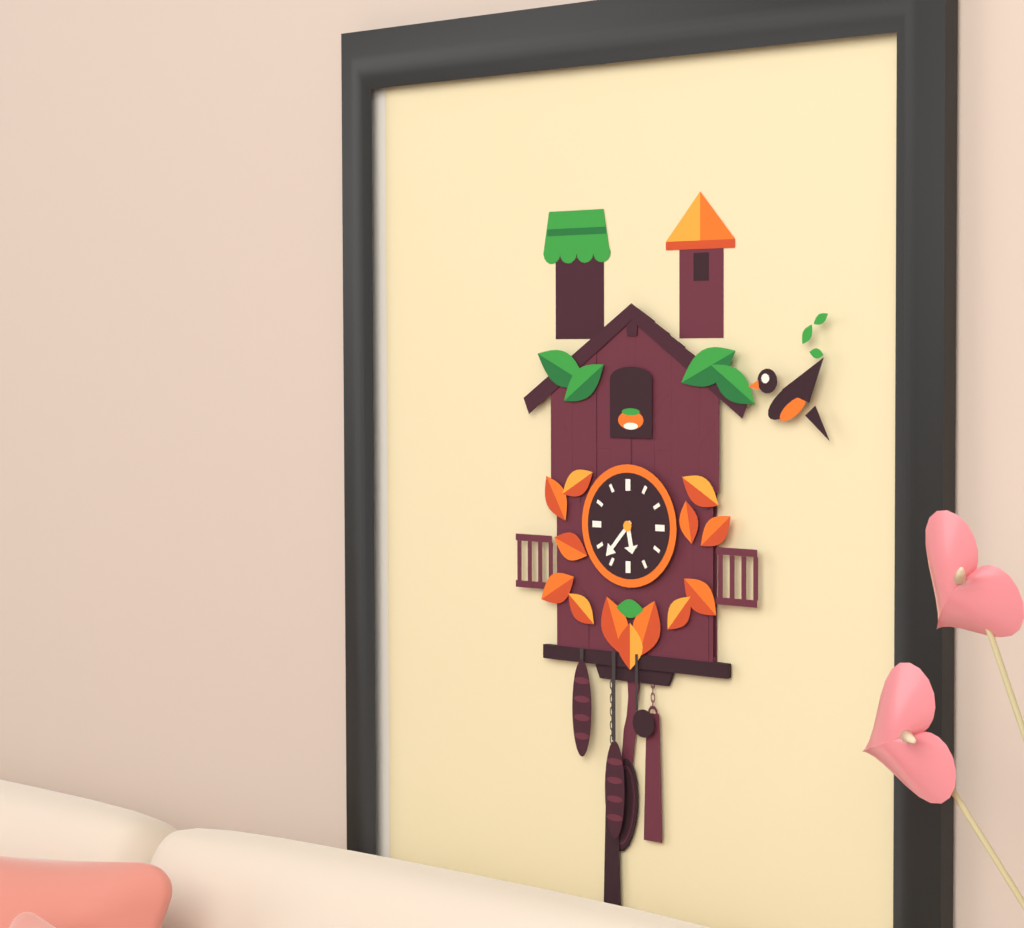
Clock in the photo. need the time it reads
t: 5:37
